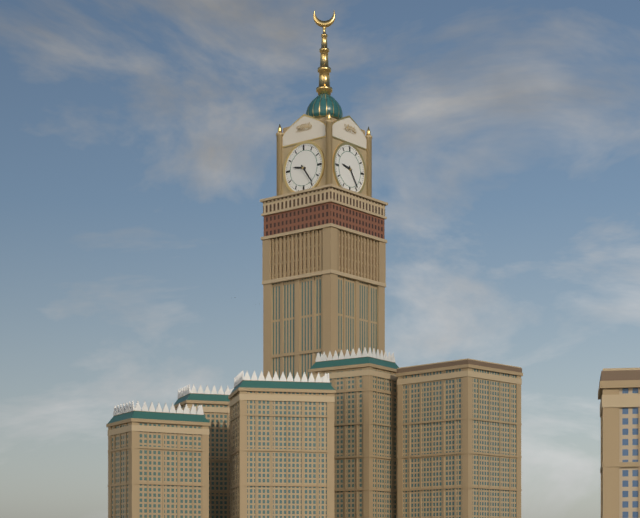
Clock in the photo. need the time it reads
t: 9:24
